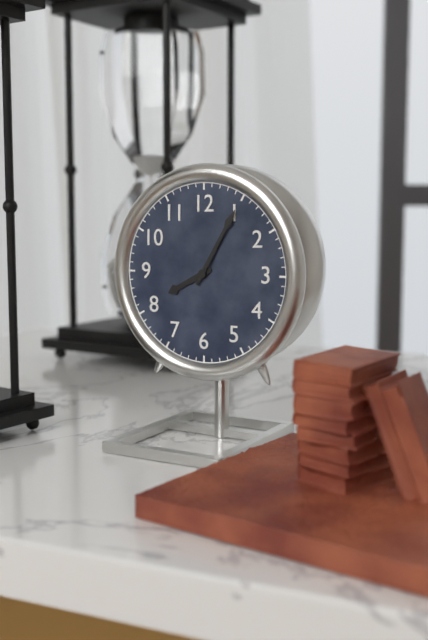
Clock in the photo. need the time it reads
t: 8:05
